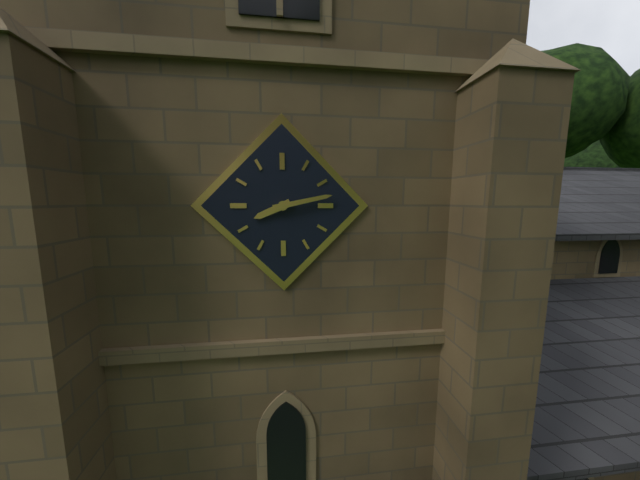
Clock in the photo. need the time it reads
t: 8:13
